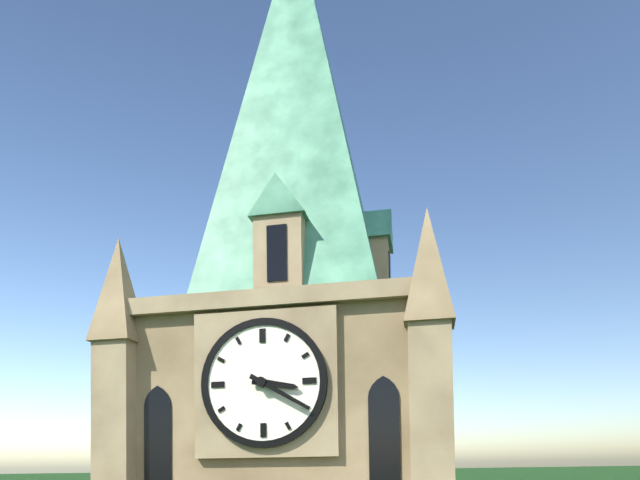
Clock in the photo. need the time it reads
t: 3:20
